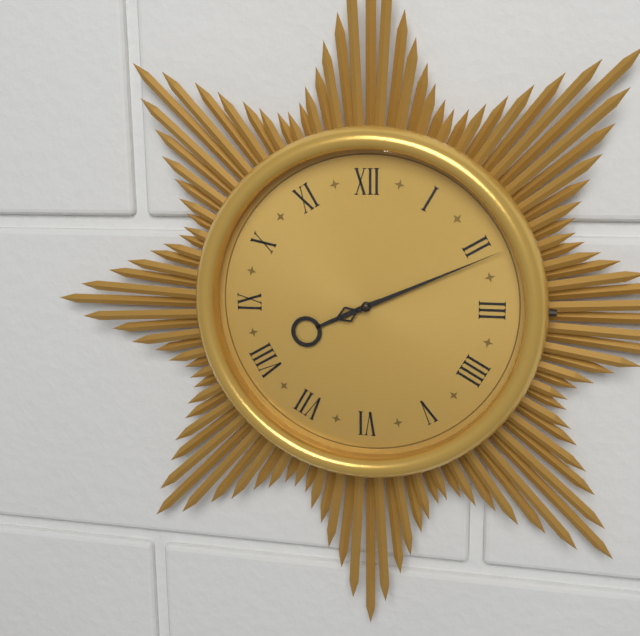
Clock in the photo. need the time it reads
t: 8:11
